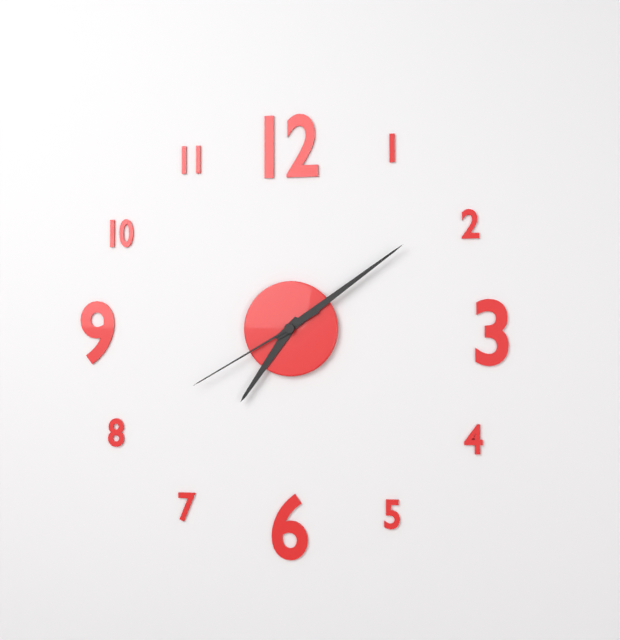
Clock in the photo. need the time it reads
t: 7:09:40
